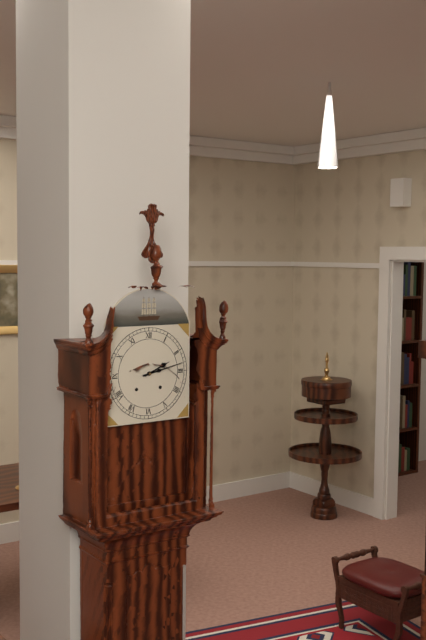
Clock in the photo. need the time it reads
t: 2:13
